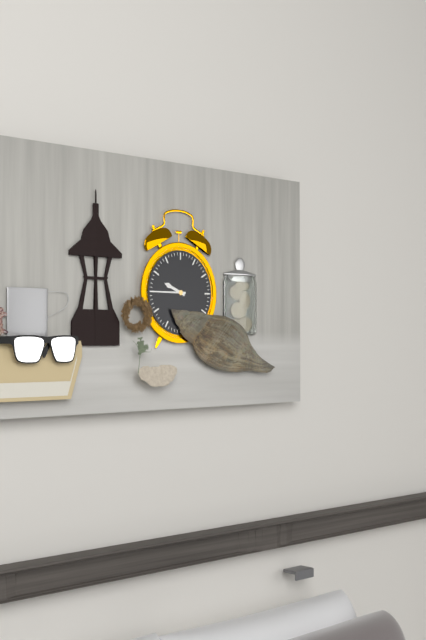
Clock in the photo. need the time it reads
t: 9:45
